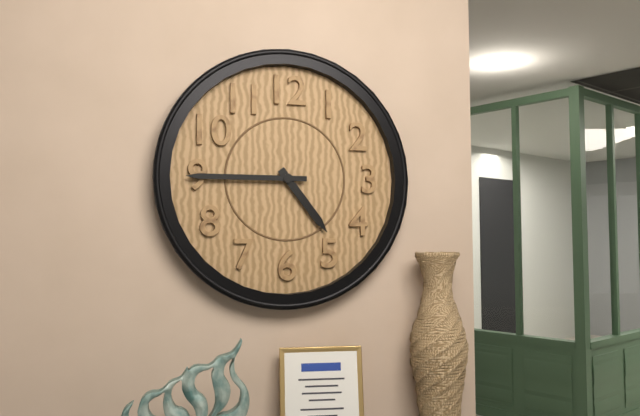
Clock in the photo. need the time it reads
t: 4:45
